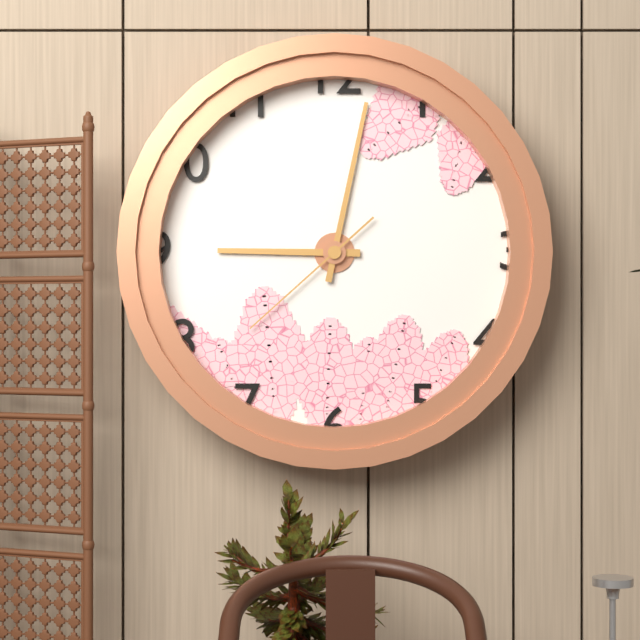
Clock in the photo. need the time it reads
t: 9:02:38
